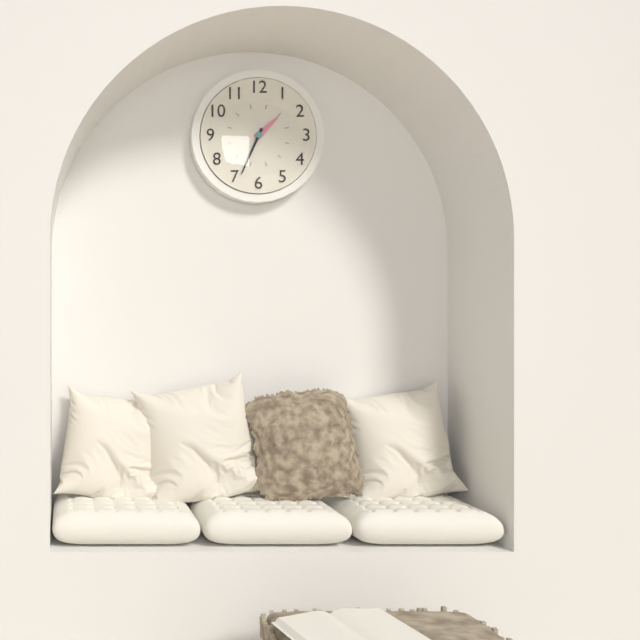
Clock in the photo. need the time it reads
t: 1:34
